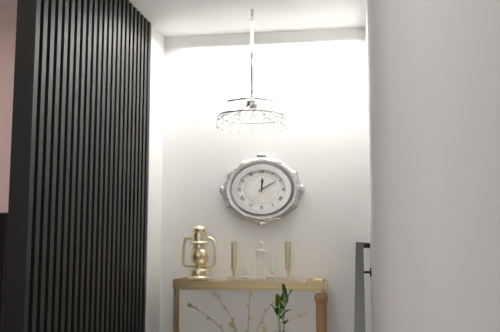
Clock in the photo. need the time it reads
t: 12:10
